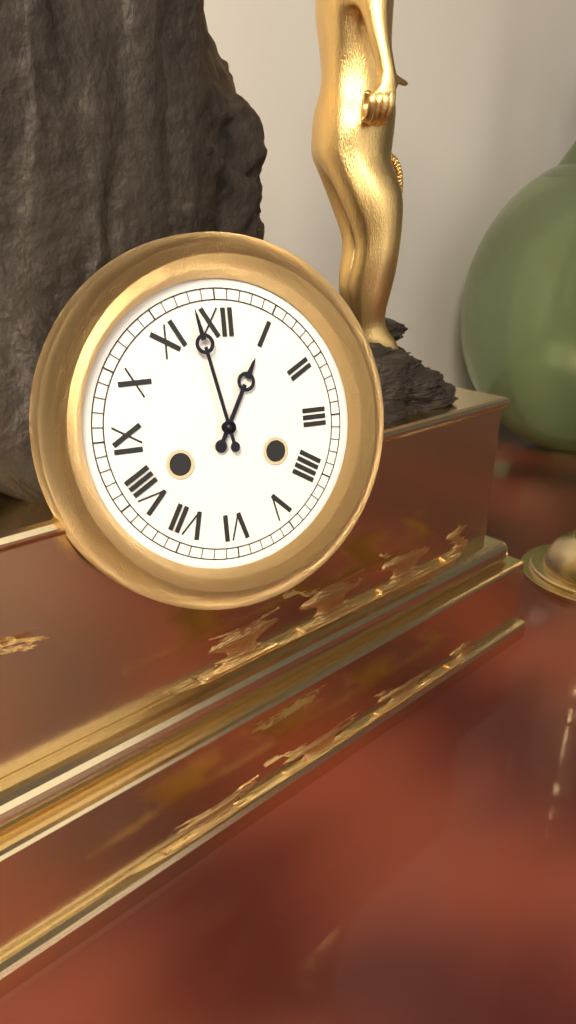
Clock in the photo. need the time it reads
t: 12:58
